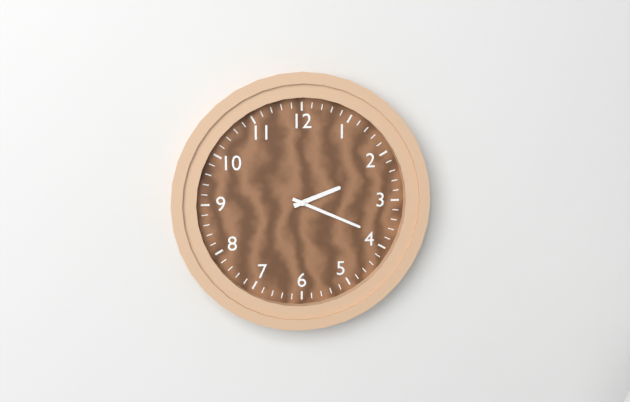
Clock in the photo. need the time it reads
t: 2:19
